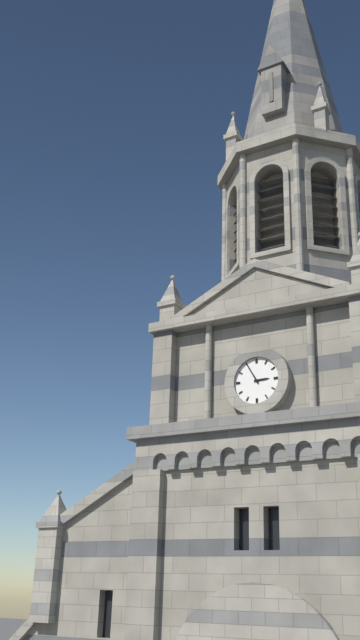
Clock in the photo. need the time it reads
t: 2:55
